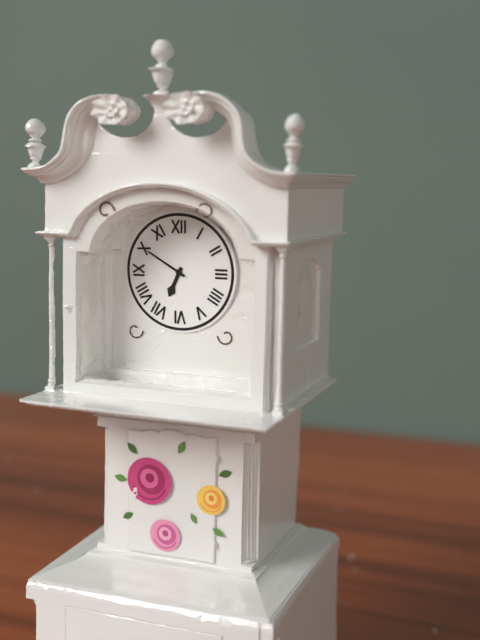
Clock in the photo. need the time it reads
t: 6:50
